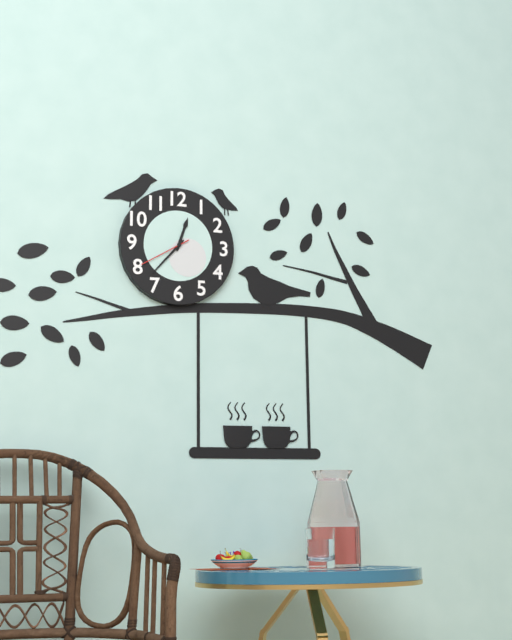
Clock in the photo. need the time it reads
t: 12:37:40
